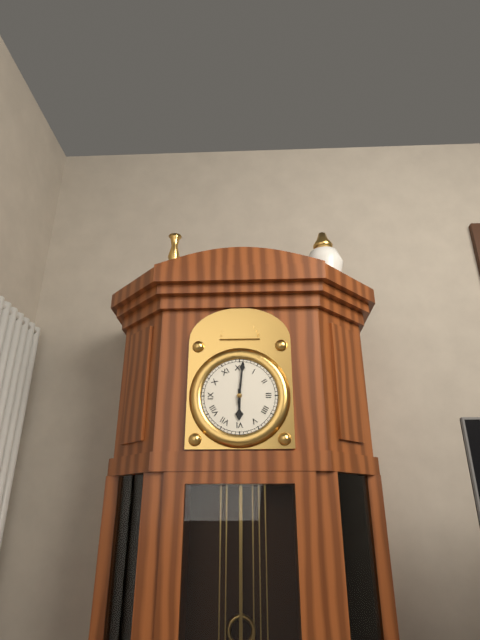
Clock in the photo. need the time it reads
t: 6:01
